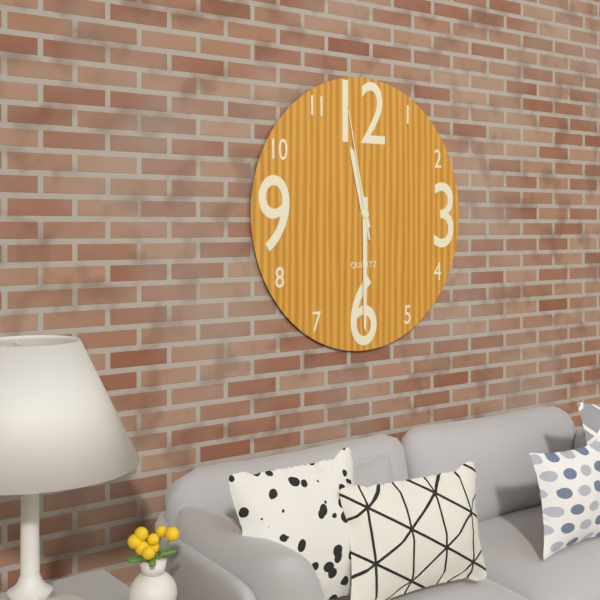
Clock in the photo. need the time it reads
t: 11:30:58
